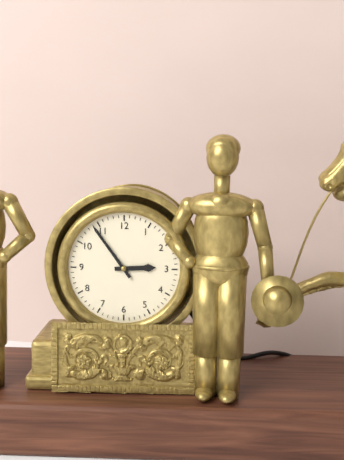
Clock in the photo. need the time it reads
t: 2:54
